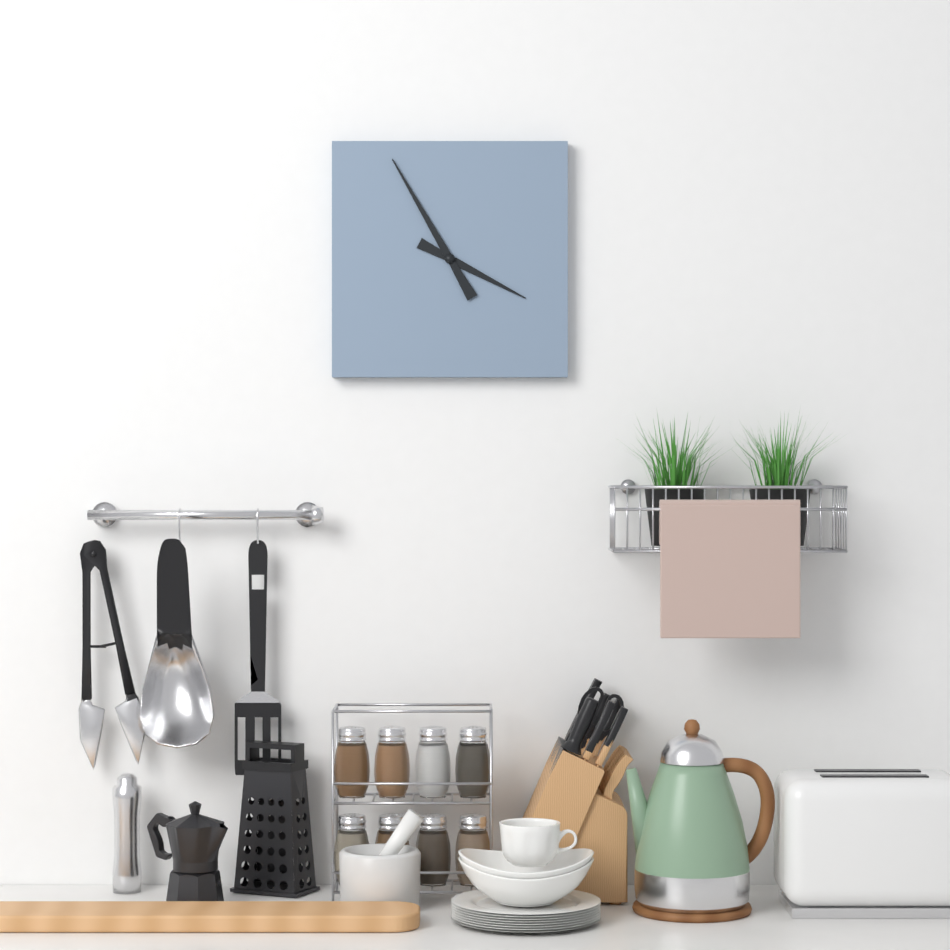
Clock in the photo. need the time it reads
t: 3:55
